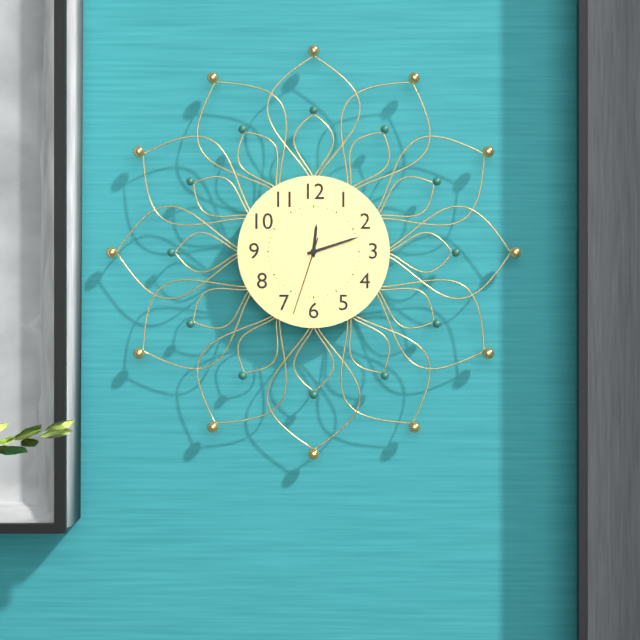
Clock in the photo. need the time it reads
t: 12:12:33
